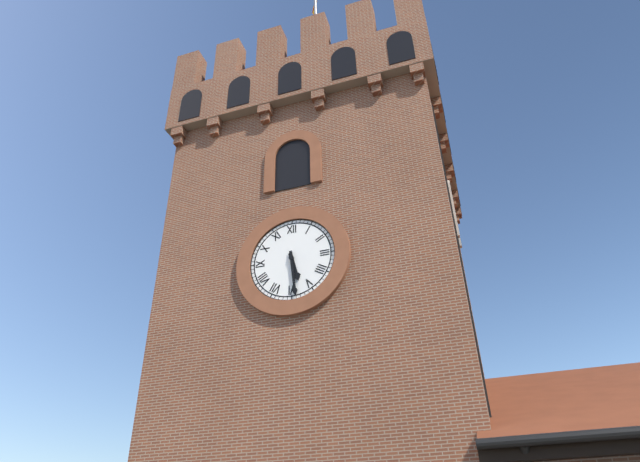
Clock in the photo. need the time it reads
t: 5:29
